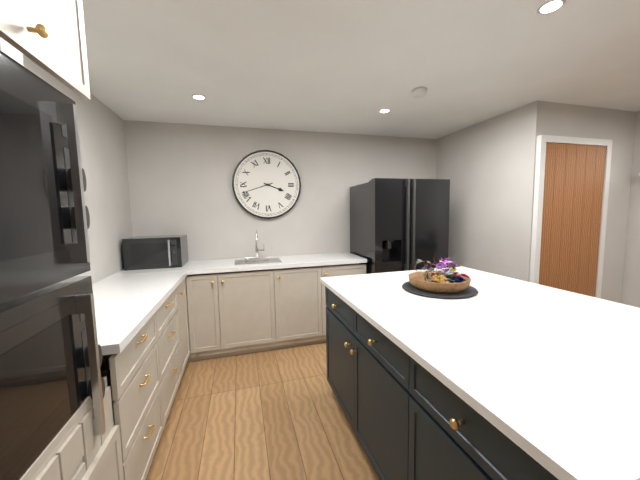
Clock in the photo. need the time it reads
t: 3:42
